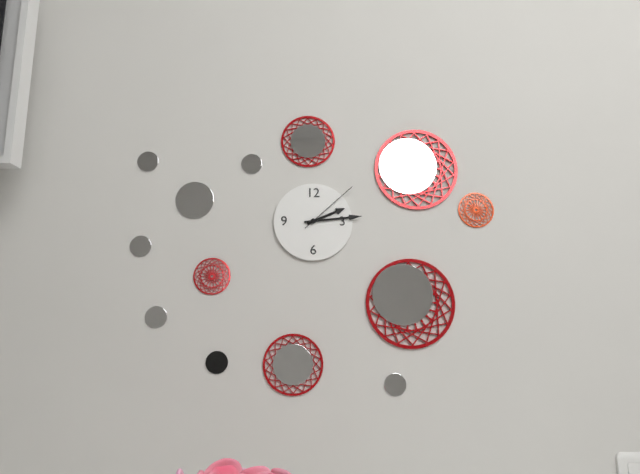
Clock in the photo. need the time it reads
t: 2:14:08
